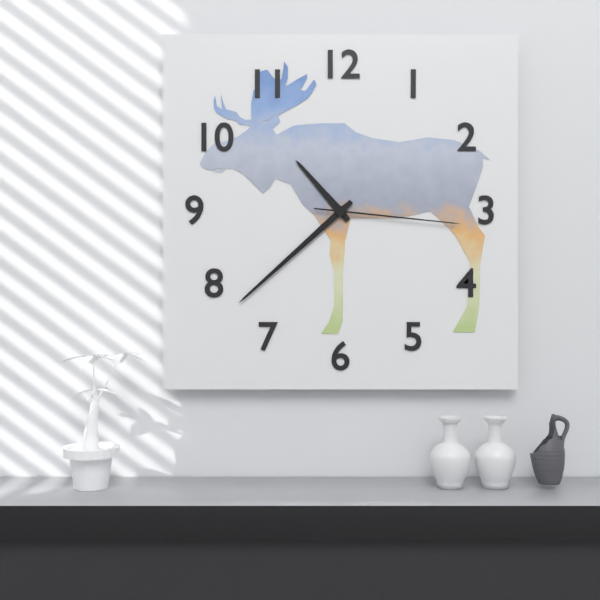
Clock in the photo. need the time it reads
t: 10:38:16
